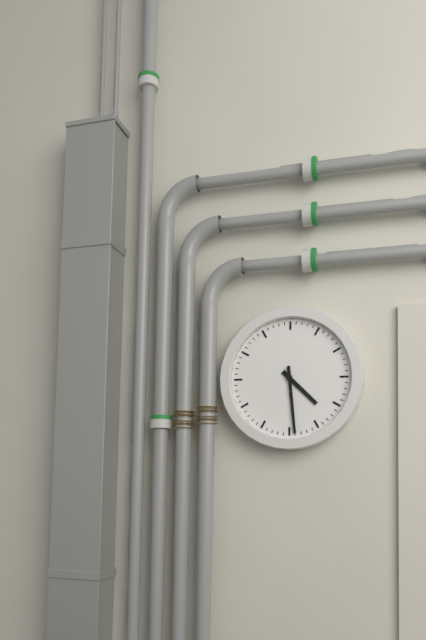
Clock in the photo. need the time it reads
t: 4:29
